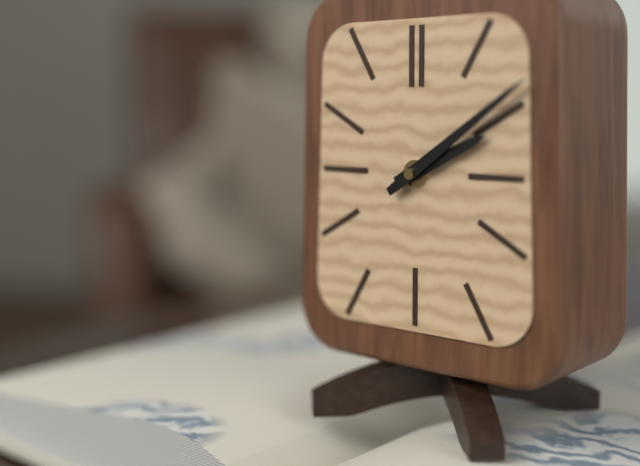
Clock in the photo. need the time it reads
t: 2:09
